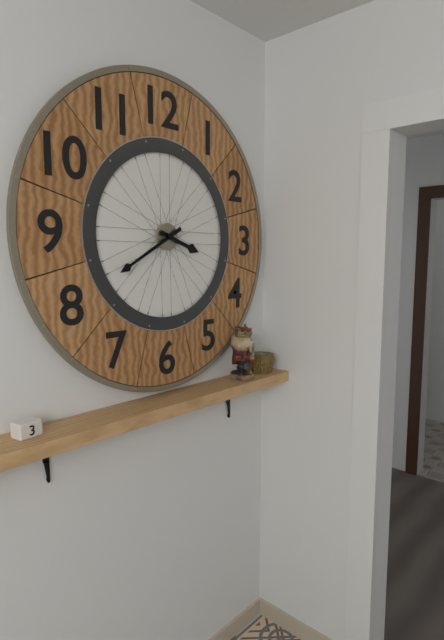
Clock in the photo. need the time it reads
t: 3:40
